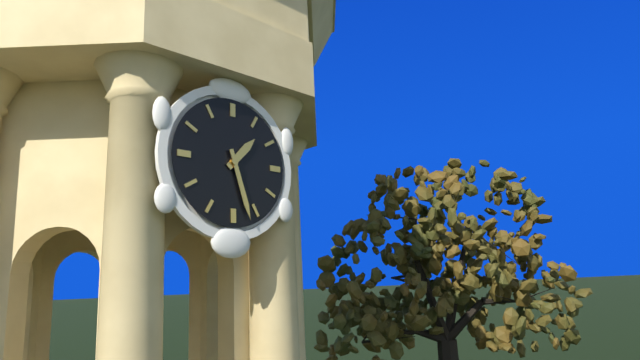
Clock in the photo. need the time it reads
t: 1:27
